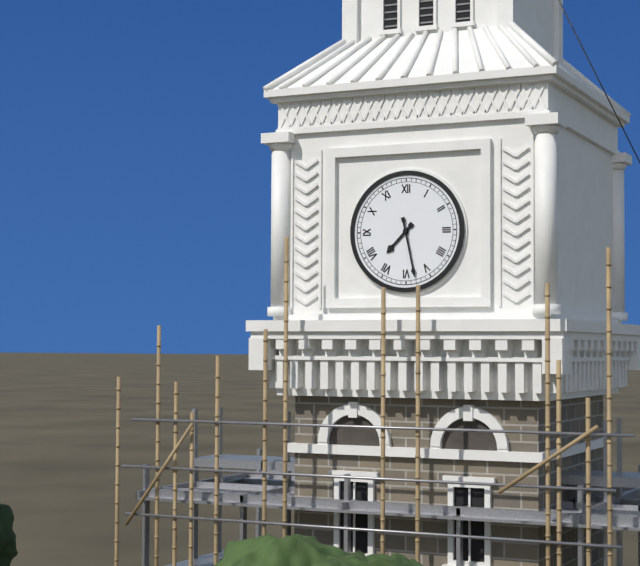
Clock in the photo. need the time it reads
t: 7:28
